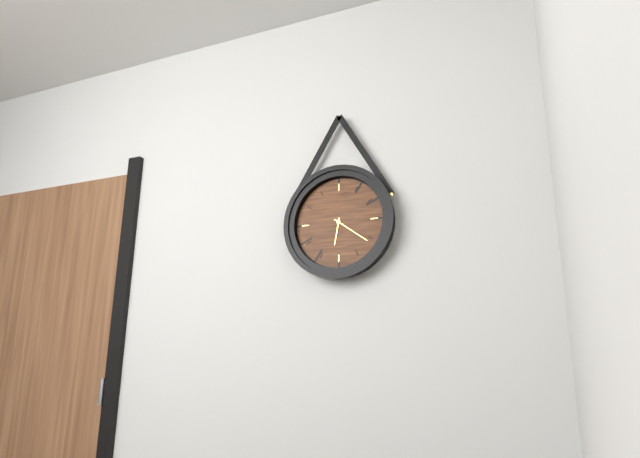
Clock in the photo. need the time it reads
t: 6:21
